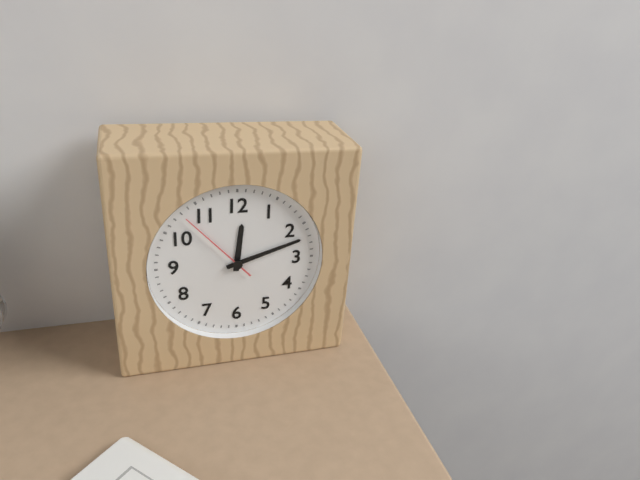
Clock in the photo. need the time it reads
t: 12:12:53
